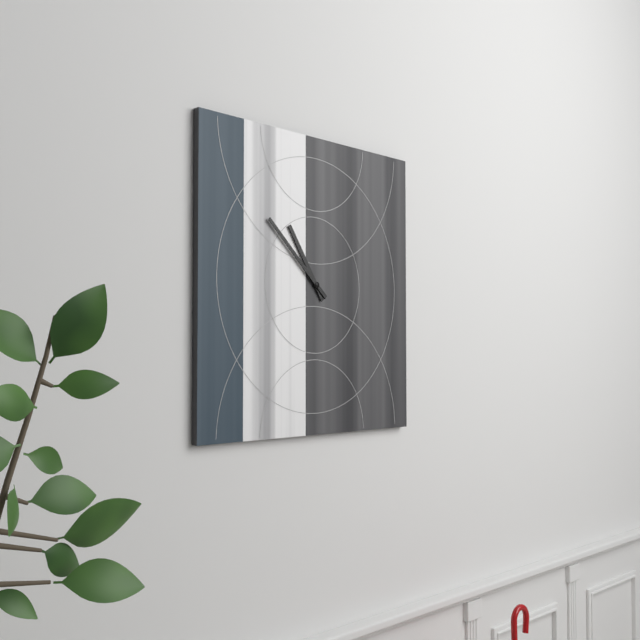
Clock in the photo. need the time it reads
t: 10:52
